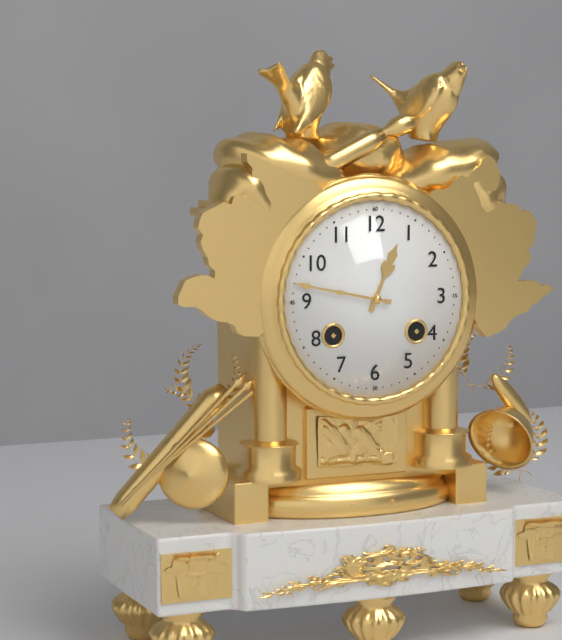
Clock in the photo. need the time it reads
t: 12:47
